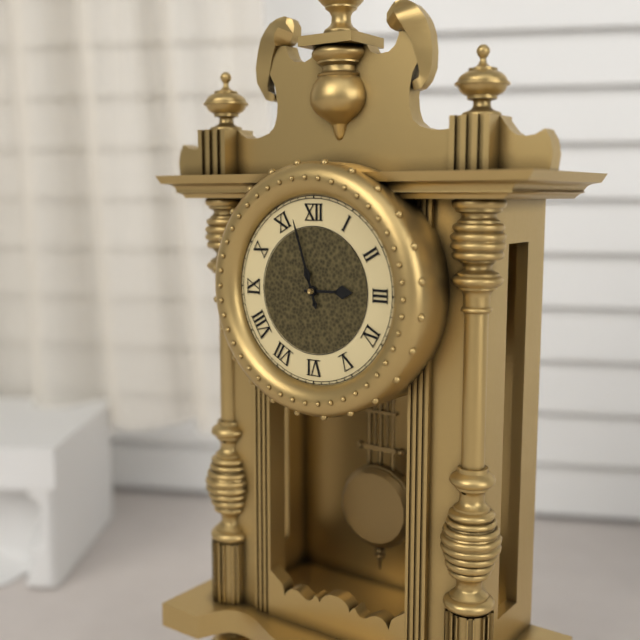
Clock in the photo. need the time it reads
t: 2:57
